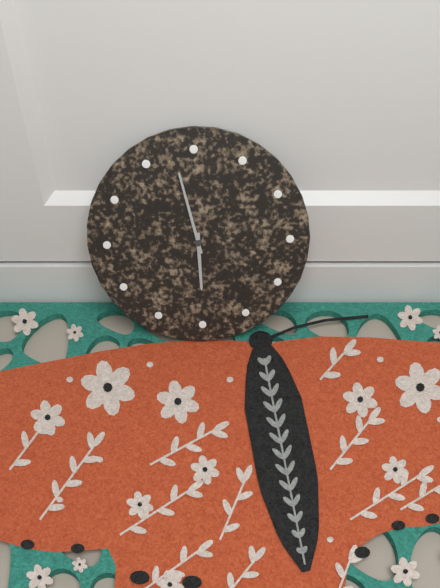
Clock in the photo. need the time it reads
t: 5:58
